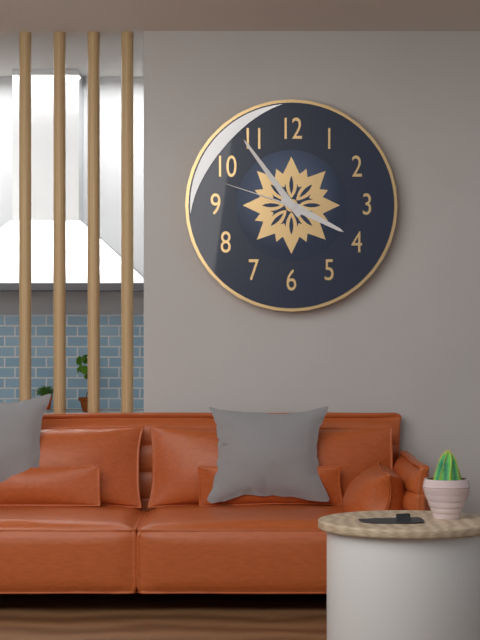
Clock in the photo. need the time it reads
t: 3:54:48
